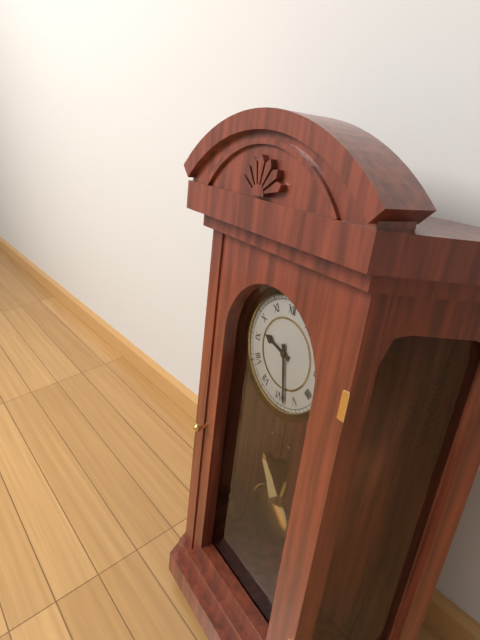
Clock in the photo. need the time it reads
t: 9:28
